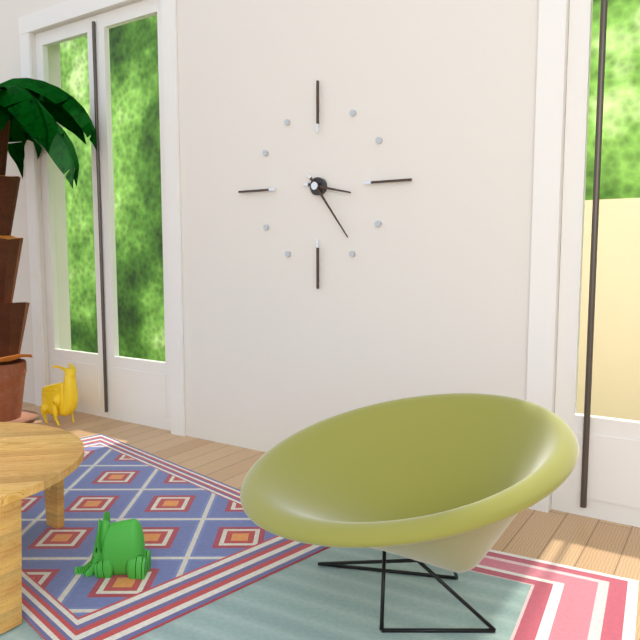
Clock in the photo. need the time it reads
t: 3:24
